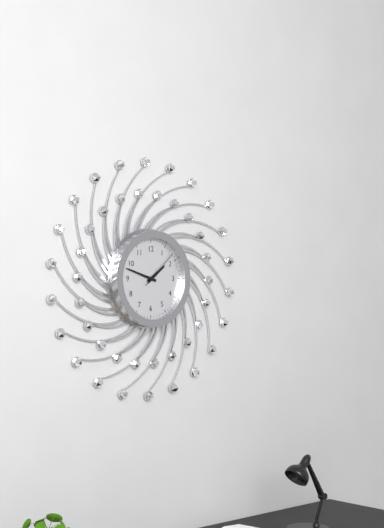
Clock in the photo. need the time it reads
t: 1:48
